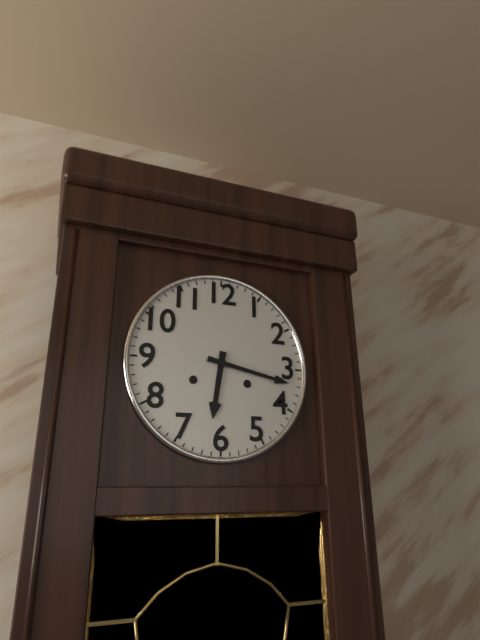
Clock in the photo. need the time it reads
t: 6:17
